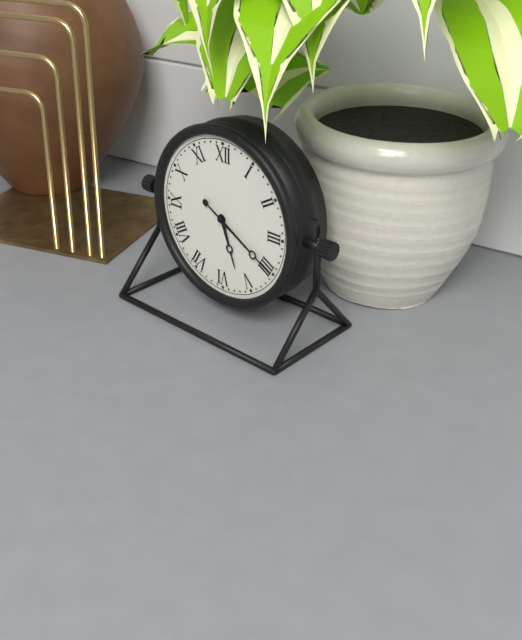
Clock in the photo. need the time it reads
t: 5:20
